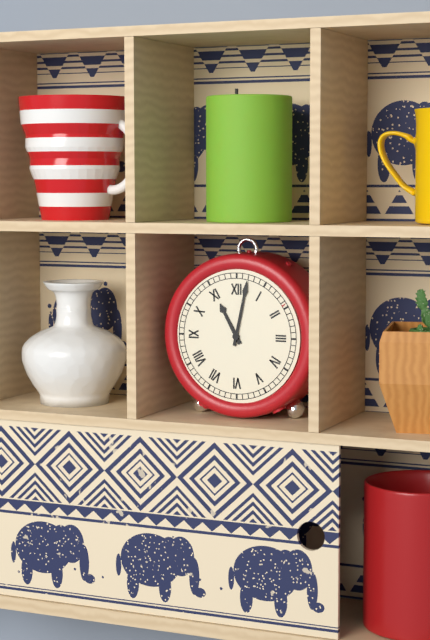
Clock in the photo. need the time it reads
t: 11:02
